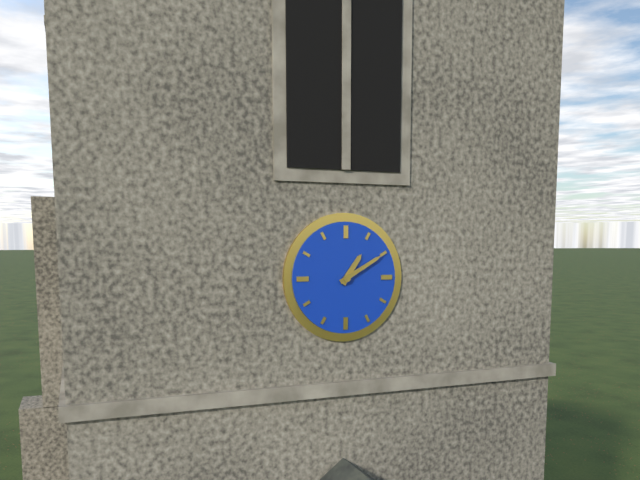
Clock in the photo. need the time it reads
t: 1:10
